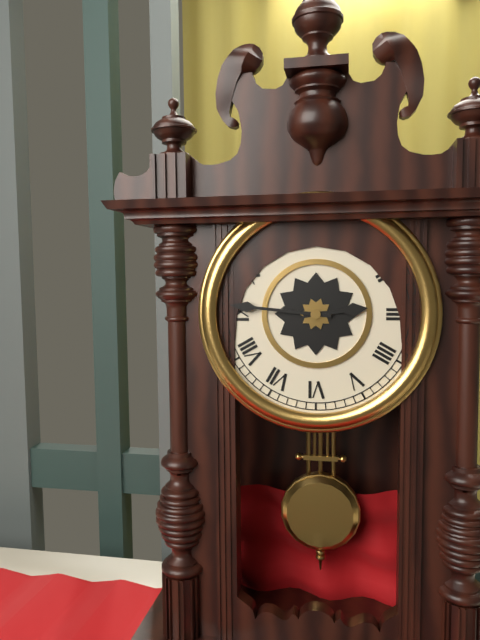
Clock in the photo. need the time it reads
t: 2:46
